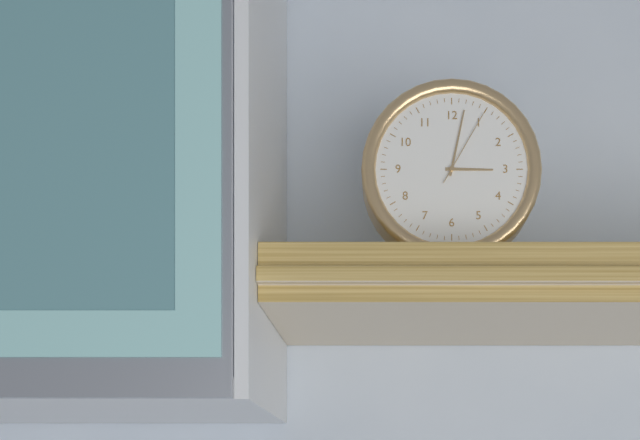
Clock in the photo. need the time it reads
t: 3:02:05
